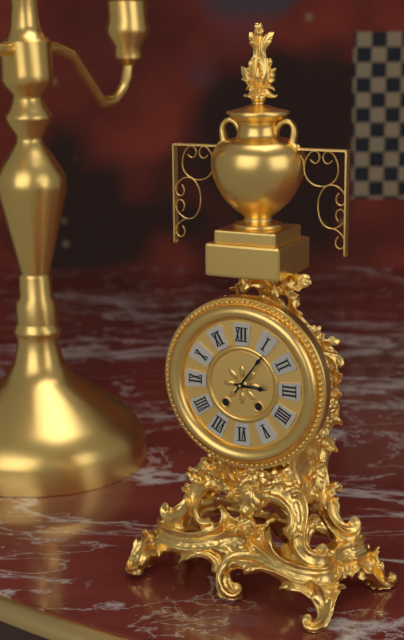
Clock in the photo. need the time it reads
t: 3:06
